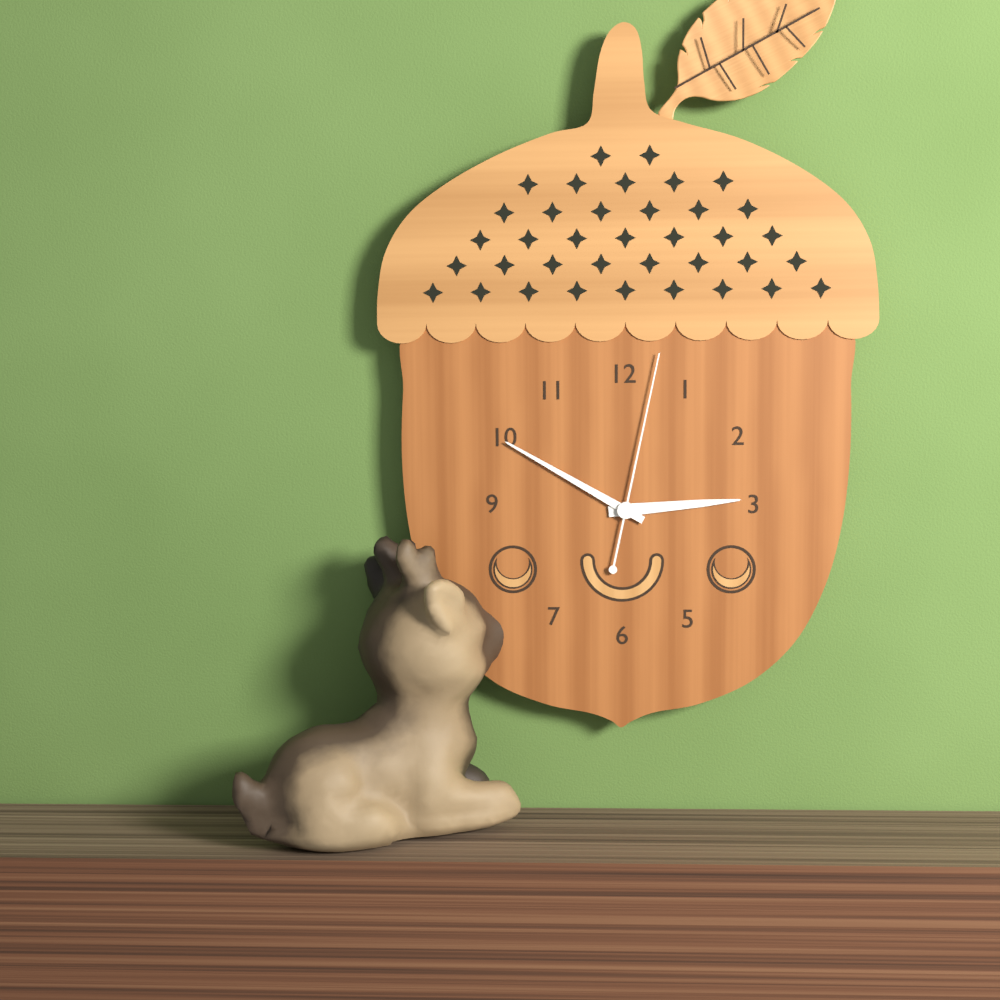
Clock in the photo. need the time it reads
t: 2:50:02
